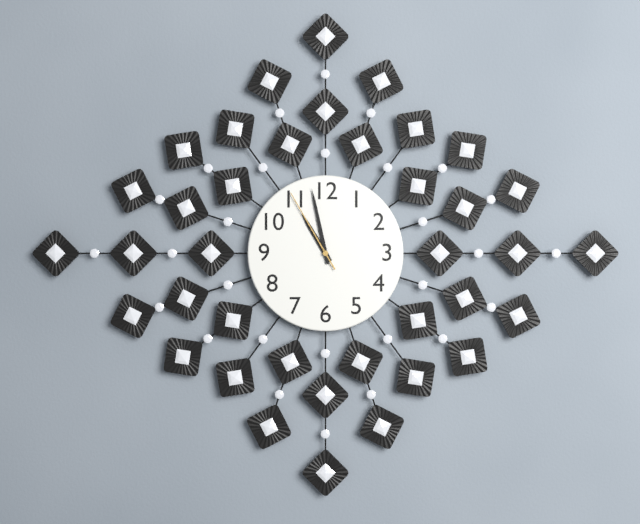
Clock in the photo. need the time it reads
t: 10:58:55
